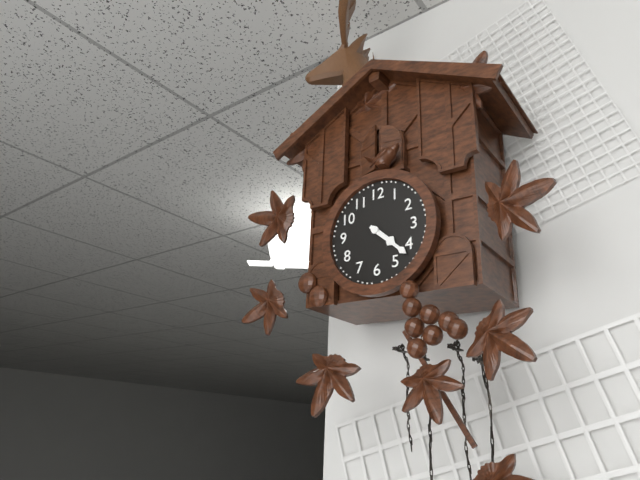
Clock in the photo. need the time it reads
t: 4:22
